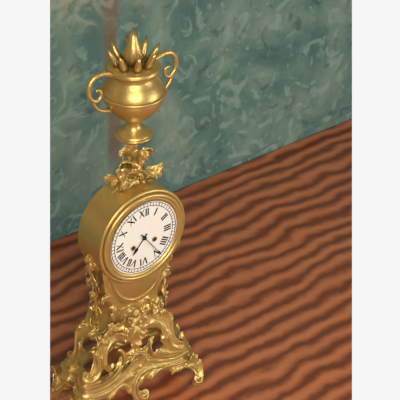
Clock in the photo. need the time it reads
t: 7:24
